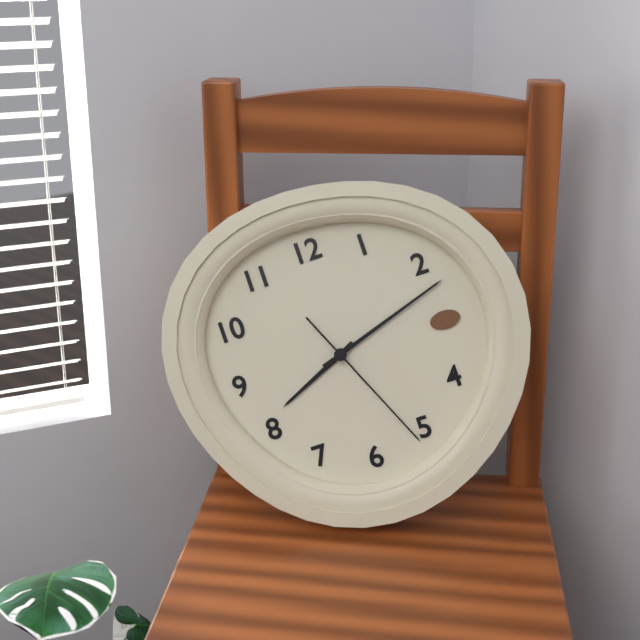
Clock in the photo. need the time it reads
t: 8:12:26
